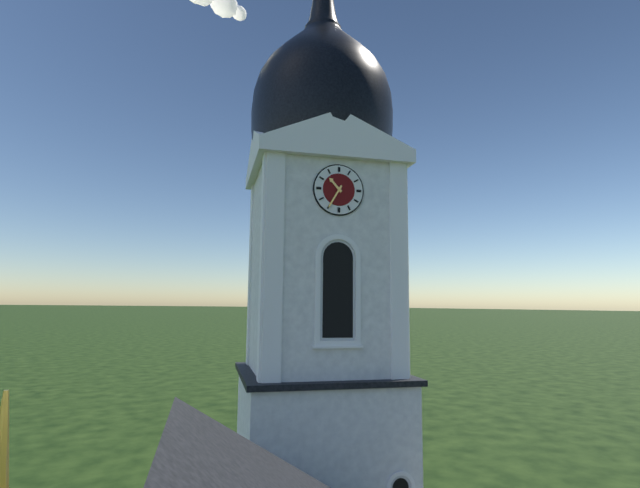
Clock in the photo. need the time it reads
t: 10:35
